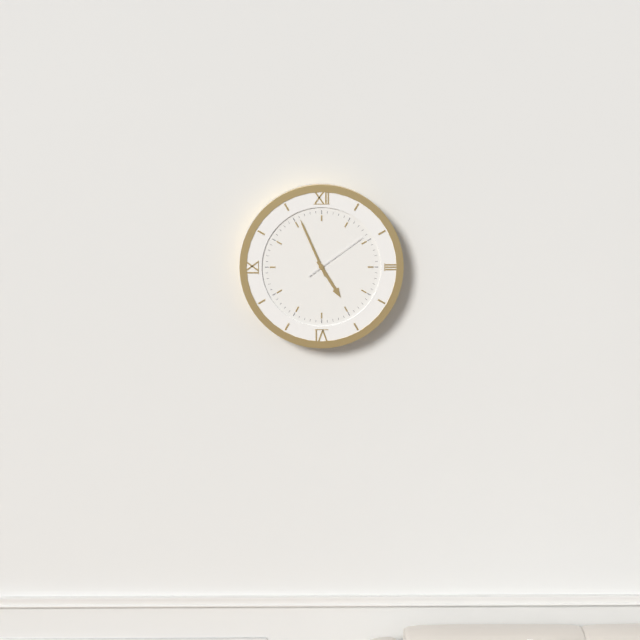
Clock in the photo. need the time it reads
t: 4:56:09
